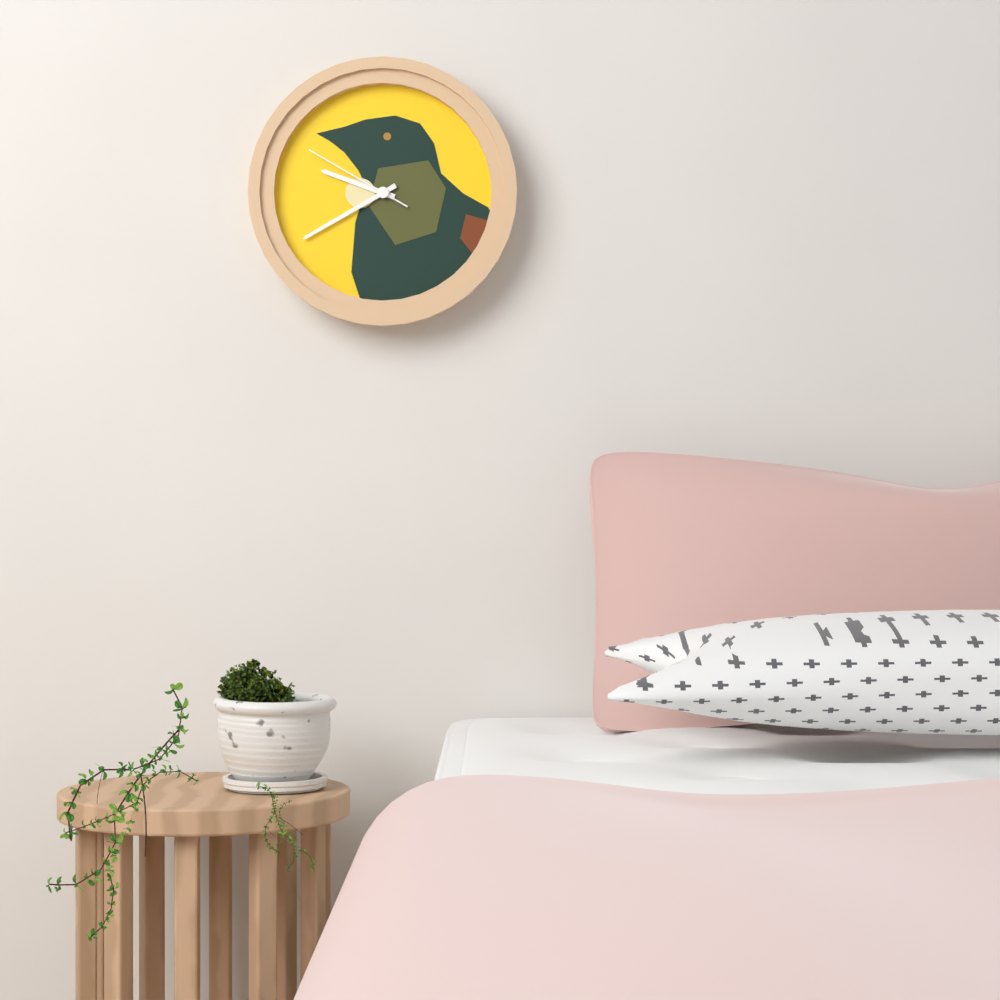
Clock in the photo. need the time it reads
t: 9:40:50
